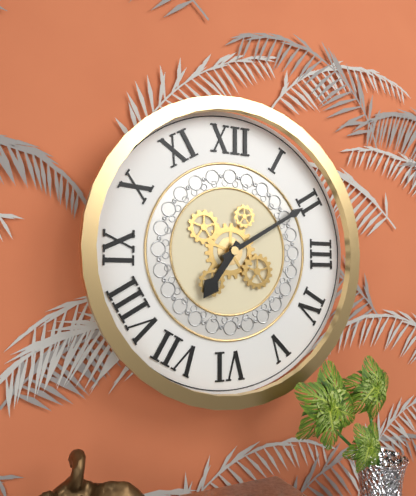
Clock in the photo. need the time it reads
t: 7:10
